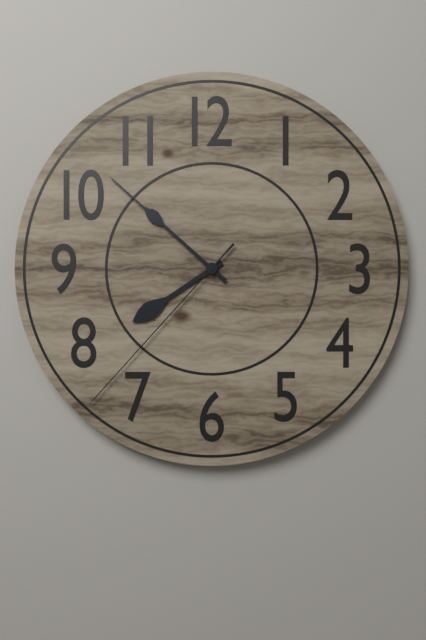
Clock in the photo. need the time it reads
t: 7:52:37
